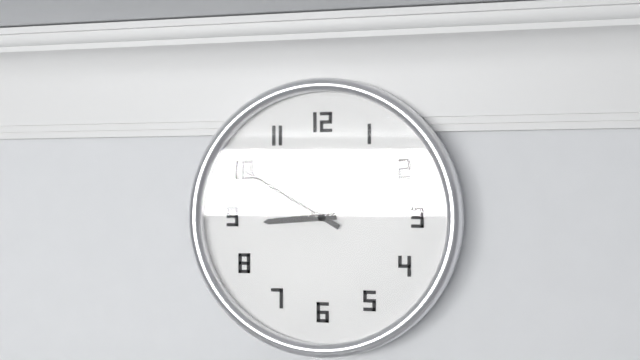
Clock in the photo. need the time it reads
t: 8:50
